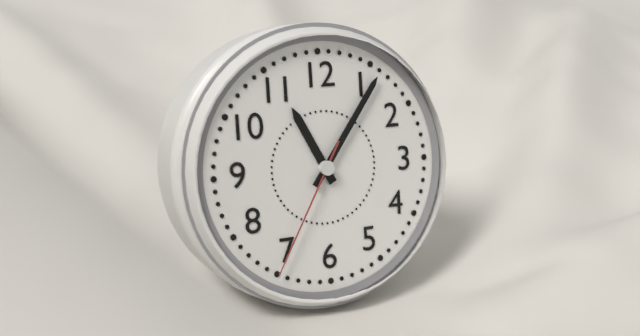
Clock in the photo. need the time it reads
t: 11:06:35
